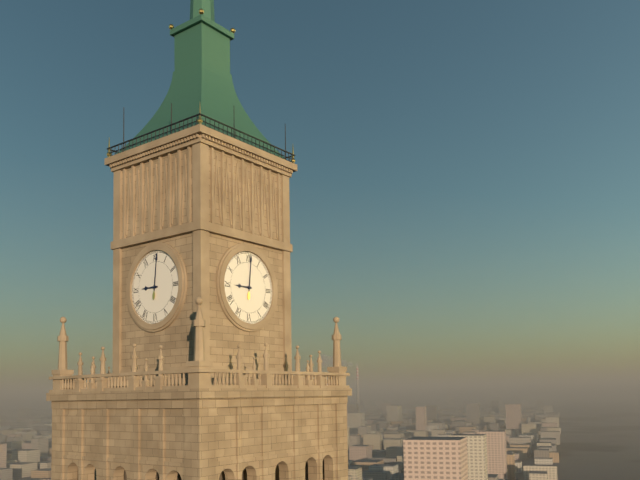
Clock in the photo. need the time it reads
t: 9:01
